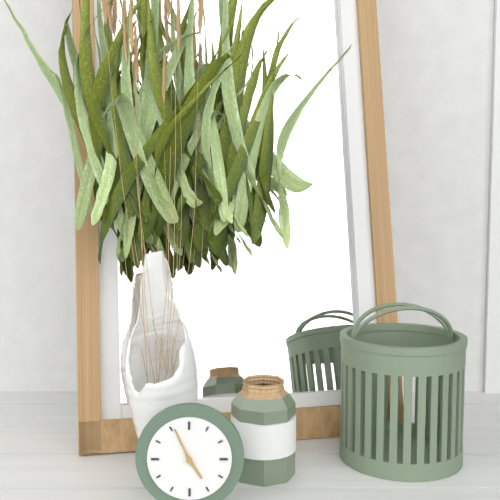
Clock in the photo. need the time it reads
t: 4:56
